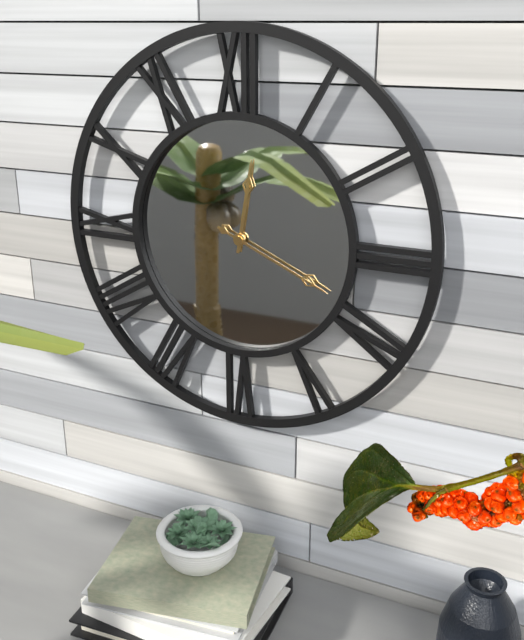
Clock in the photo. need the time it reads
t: 12:19
